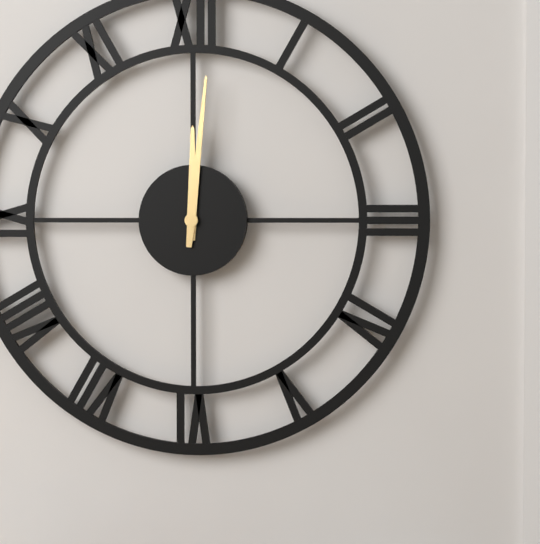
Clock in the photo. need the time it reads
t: 12:01
